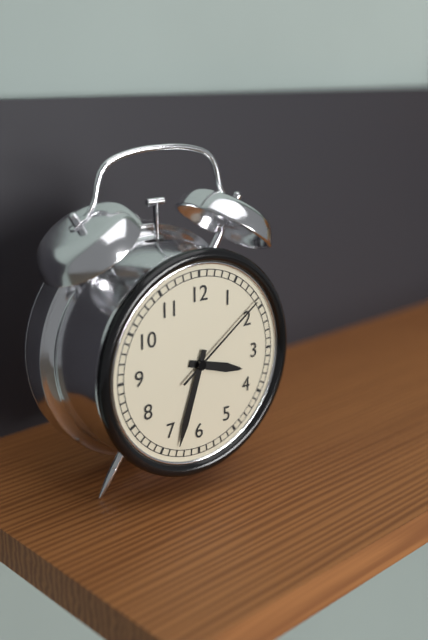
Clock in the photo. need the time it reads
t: 3:33:09
